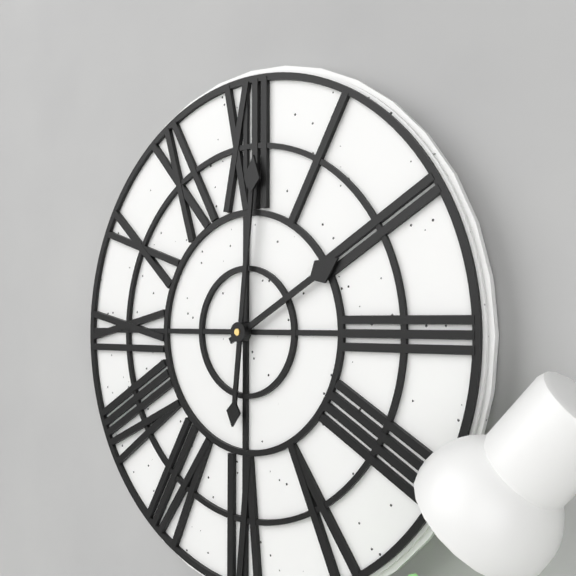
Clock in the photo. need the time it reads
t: 2:01
